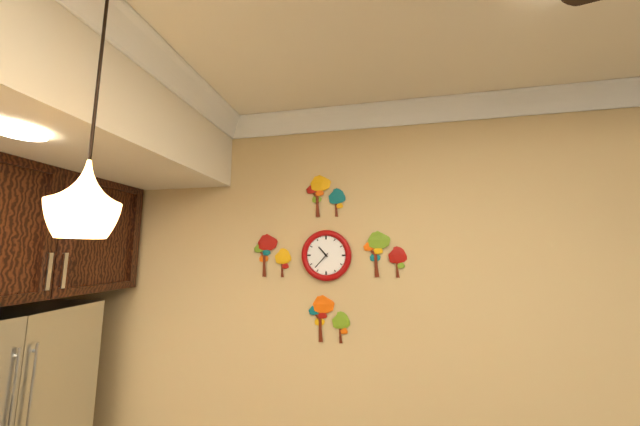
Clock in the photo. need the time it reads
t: 10:37
